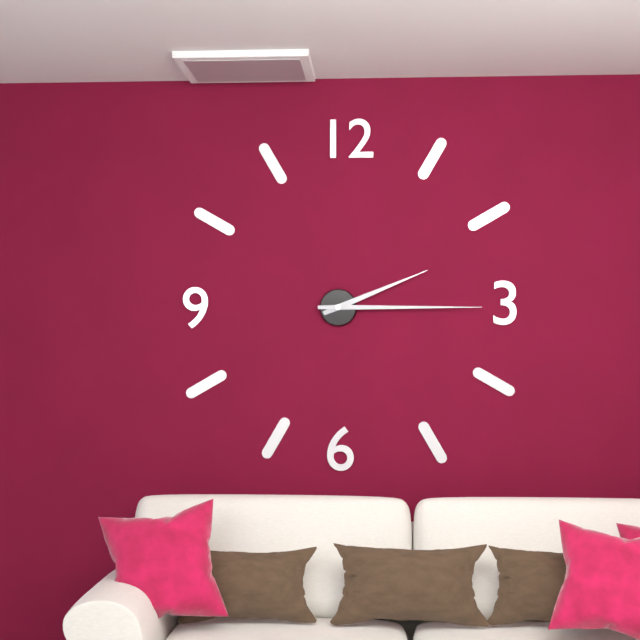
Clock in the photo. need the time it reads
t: 2:15
